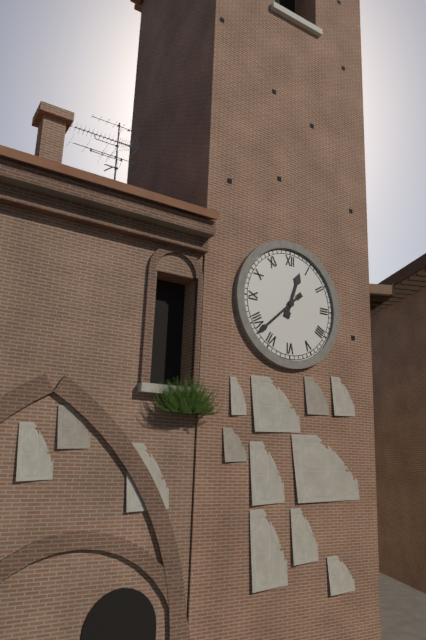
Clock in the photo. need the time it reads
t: 12:38
